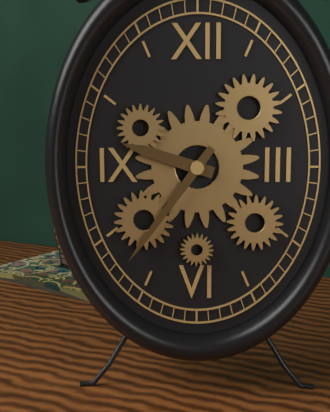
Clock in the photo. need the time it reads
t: 9:36
